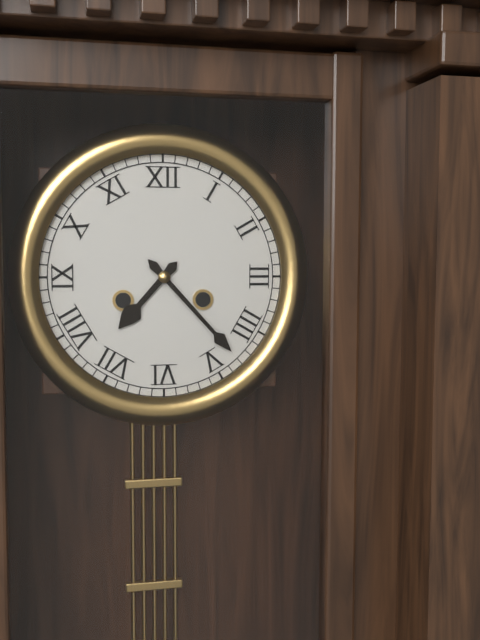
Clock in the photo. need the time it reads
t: 7:23
